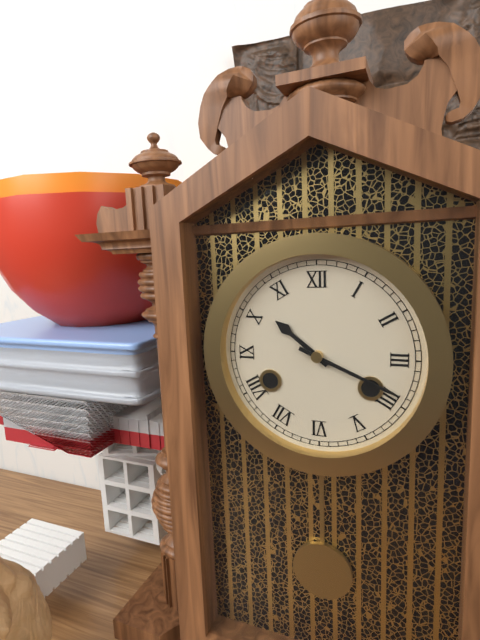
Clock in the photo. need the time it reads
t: 10:19
